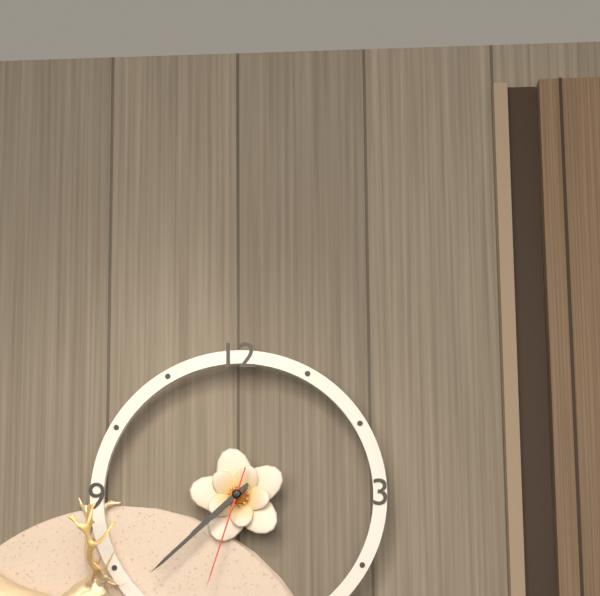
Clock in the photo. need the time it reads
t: 7:38:33
